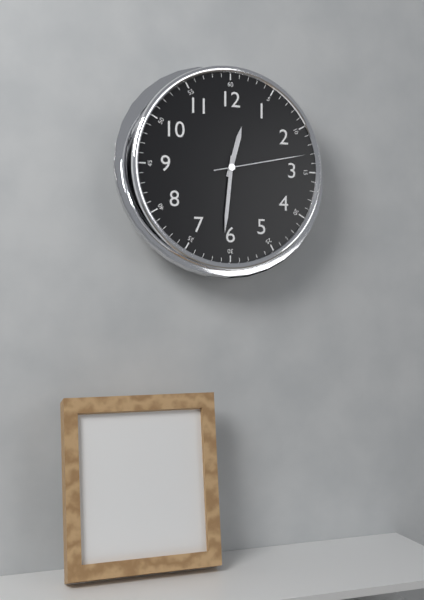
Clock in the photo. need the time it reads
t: 12:31:13
